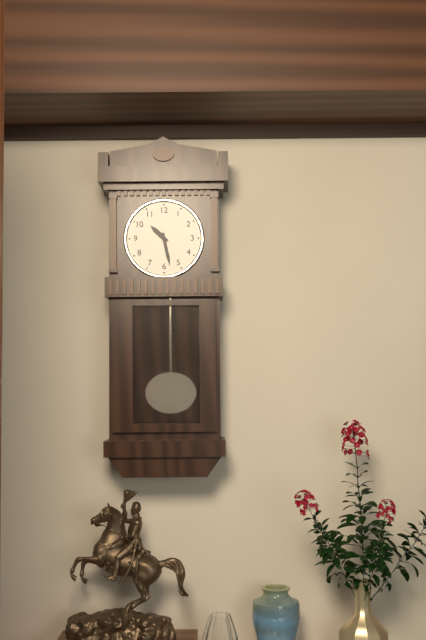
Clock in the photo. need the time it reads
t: 10:28
